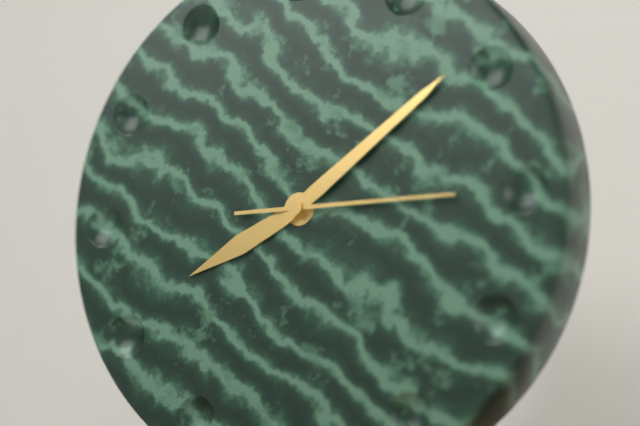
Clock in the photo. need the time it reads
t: 8:09:15
